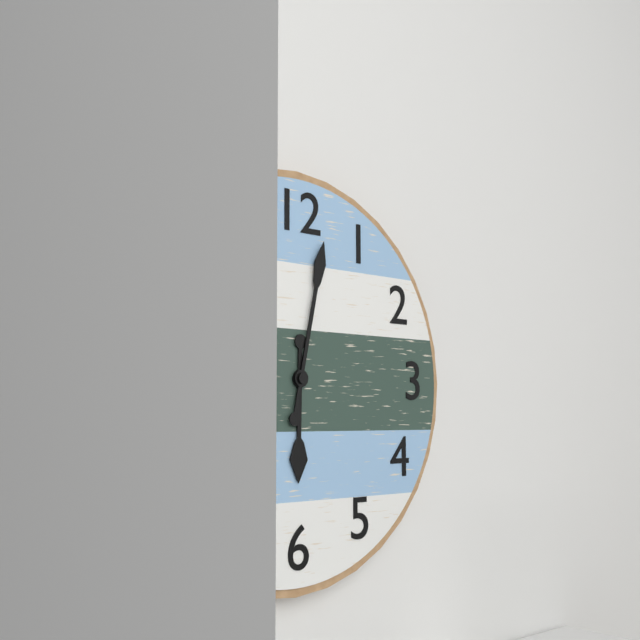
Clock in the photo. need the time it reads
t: 6:02
